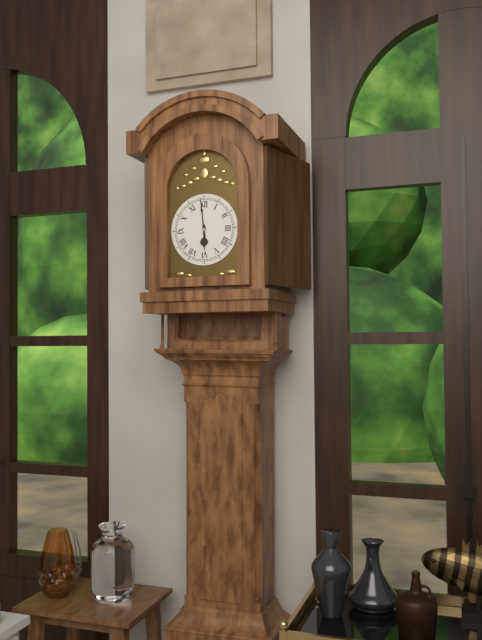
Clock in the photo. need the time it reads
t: 5:59
